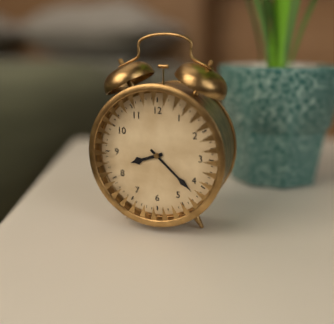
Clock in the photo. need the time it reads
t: 8:22
